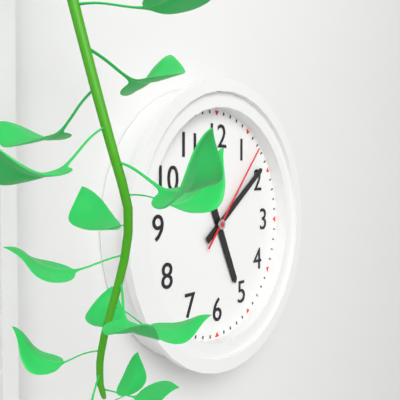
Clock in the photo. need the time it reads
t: 5:09:07
